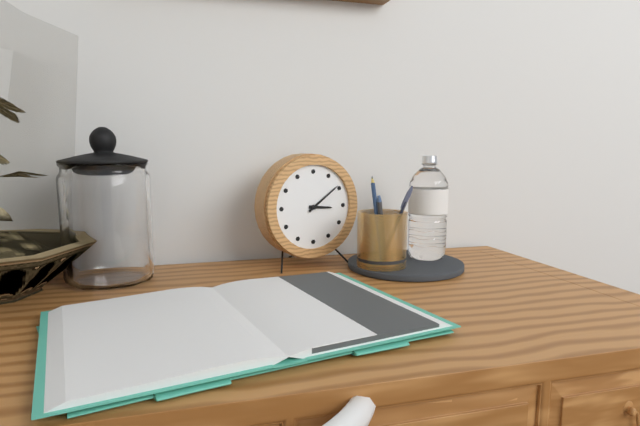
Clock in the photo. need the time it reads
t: 3:09
